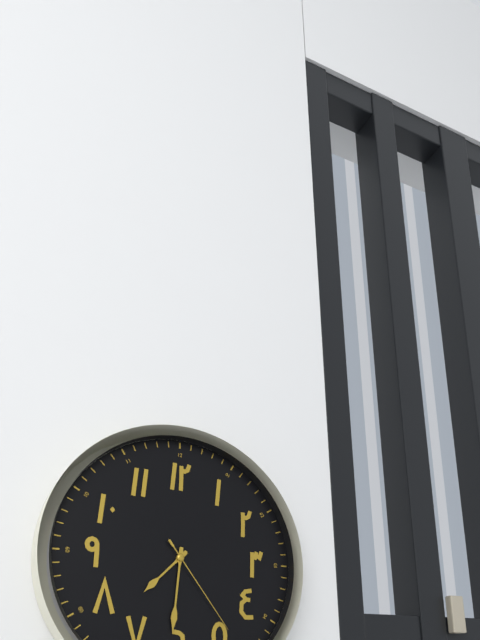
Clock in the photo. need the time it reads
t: 7:31:24
